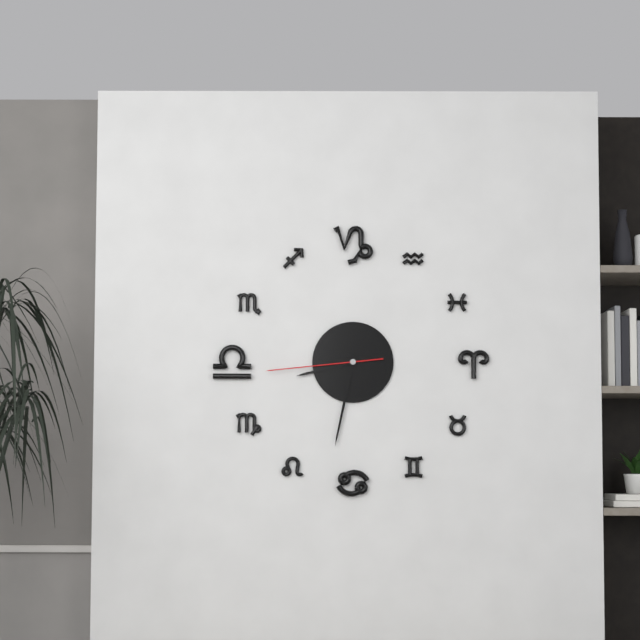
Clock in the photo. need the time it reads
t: 8:32:44
